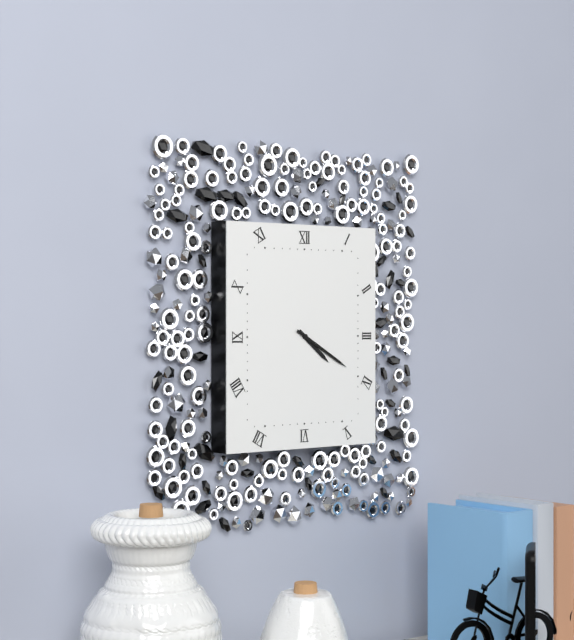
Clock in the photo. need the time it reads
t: 4:20
